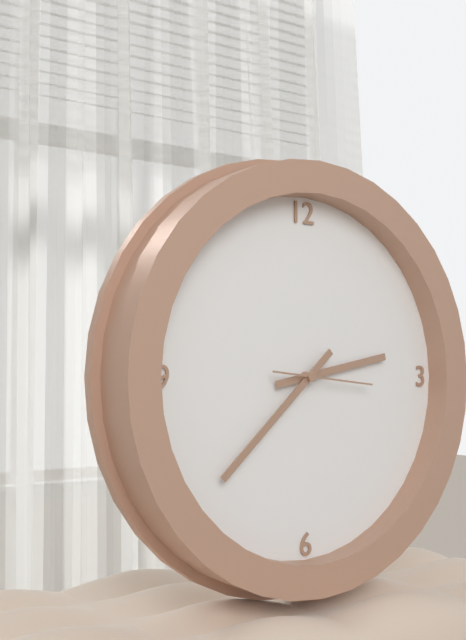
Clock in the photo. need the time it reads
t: 2:38:16
